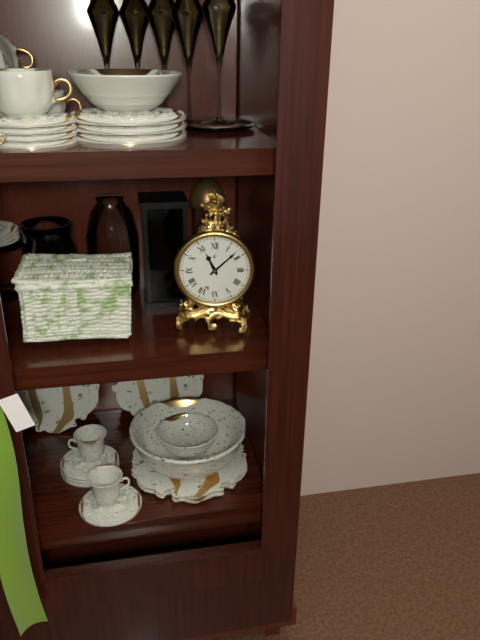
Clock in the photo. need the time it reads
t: 11:08
